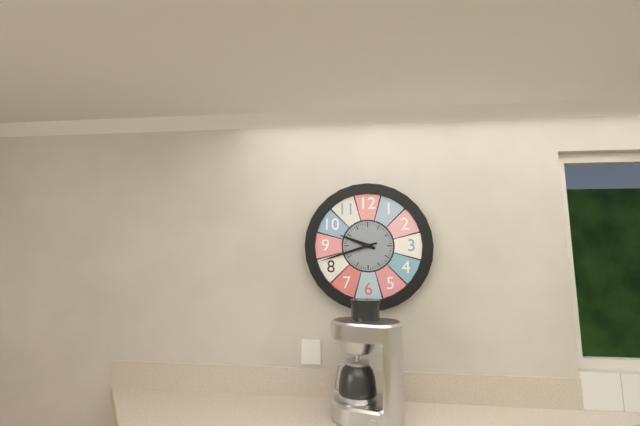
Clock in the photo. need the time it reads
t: 9:42
